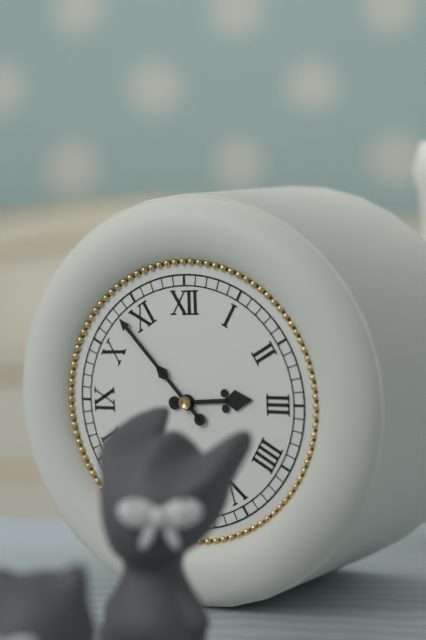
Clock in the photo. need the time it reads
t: 2:53
